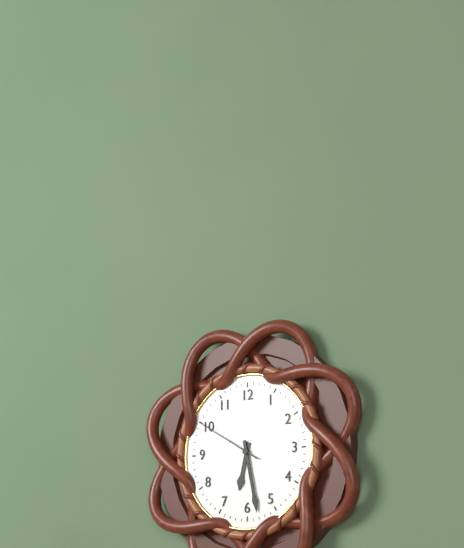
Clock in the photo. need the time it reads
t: 6:28:50
